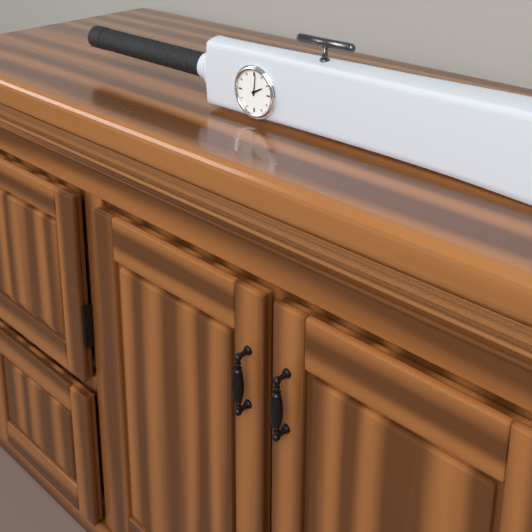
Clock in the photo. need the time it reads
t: 2:01
